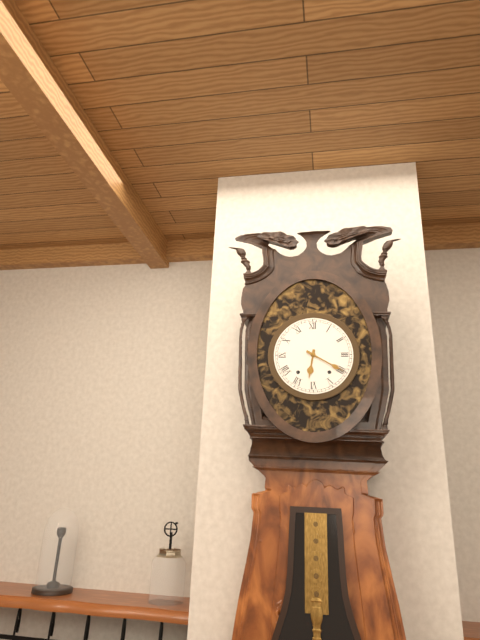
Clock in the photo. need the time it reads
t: 6:20
